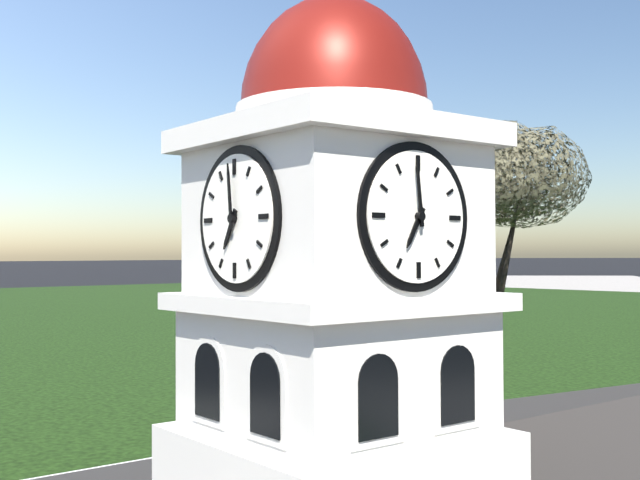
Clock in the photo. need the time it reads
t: 6:59
